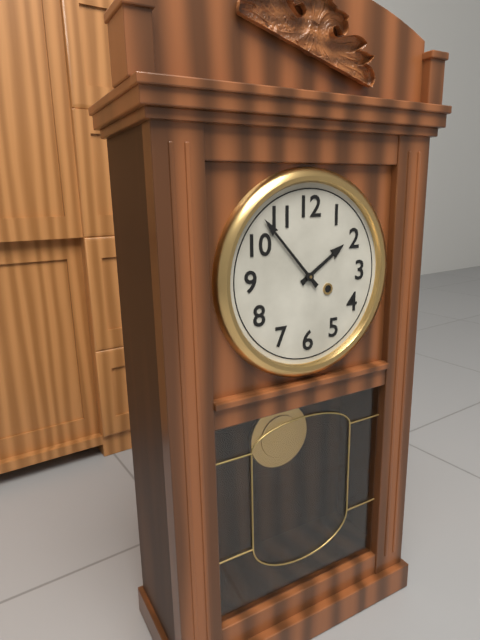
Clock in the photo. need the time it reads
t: 1:53
